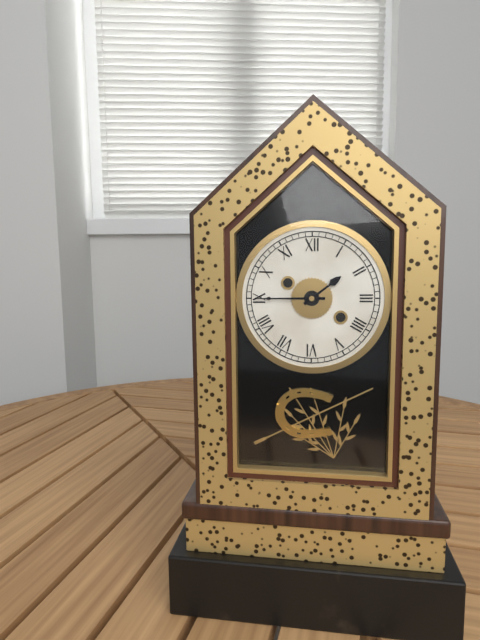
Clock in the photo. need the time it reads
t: 1:45
